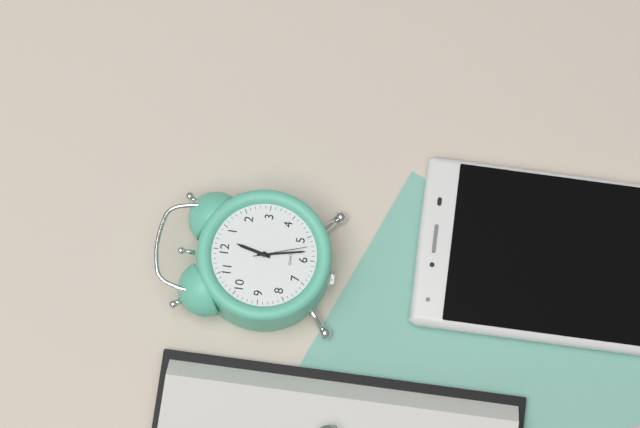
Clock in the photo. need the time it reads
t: 12:28:27
